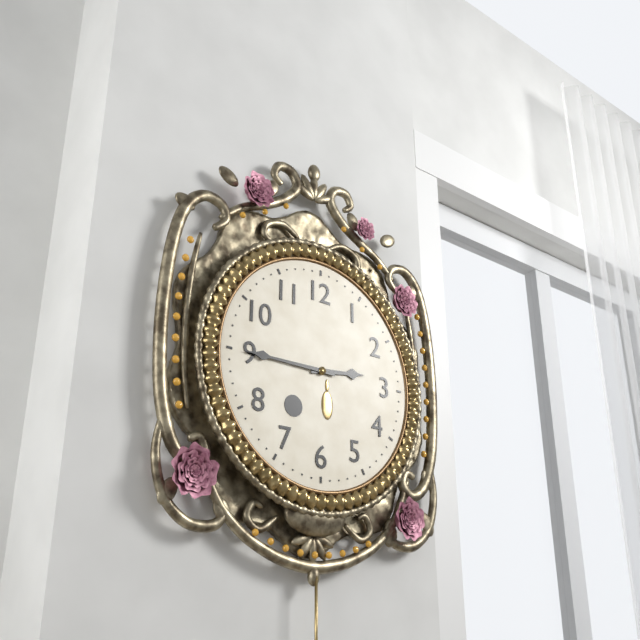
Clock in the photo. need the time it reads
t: 2:45
